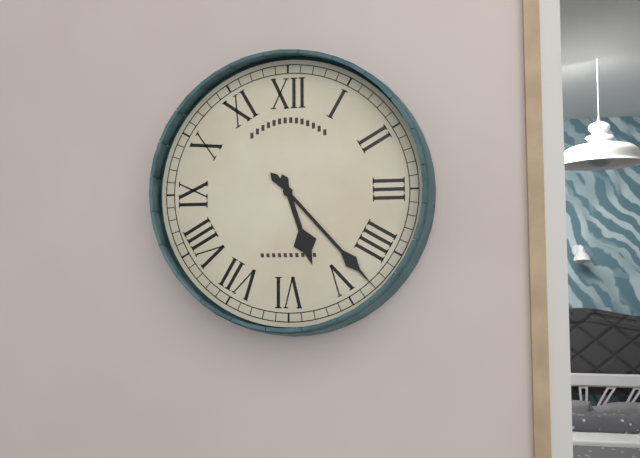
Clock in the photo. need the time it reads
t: 5:23
